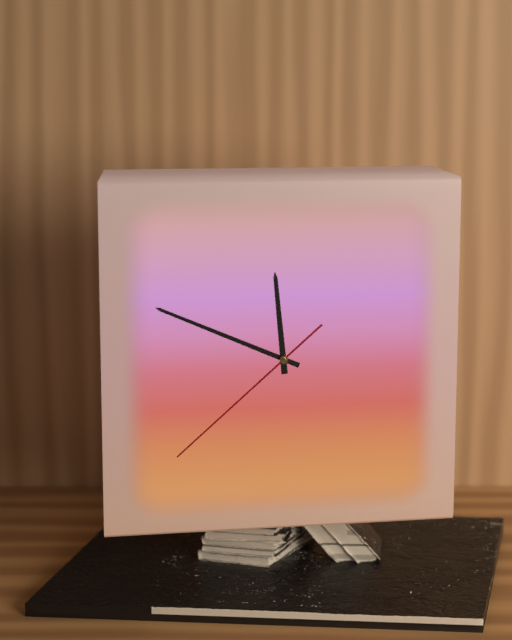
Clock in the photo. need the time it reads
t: 11:49:38
